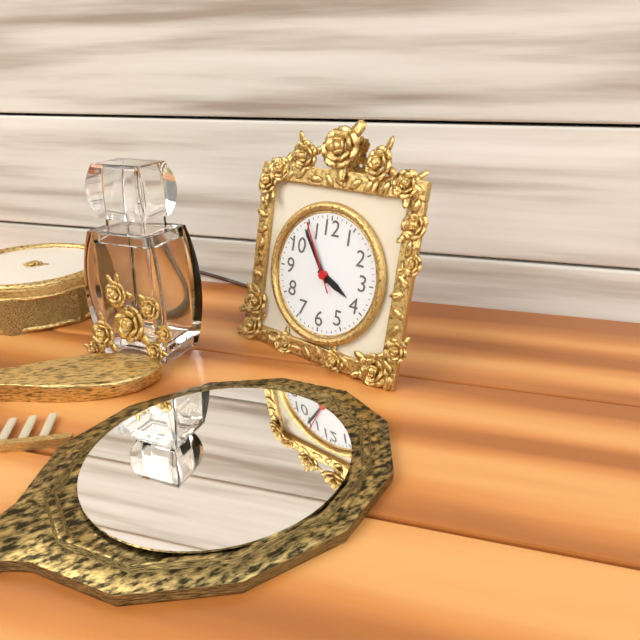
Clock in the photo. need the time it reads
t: 3:54:55
